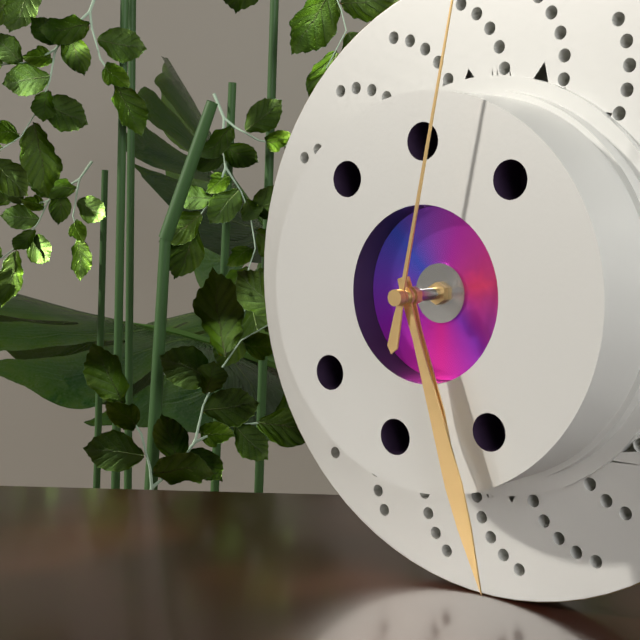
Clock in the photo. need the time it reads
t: 5:27
